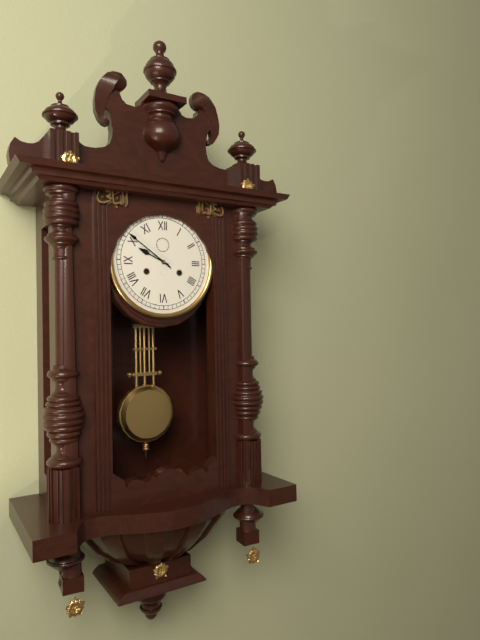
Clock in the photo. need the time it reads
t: 9:51
